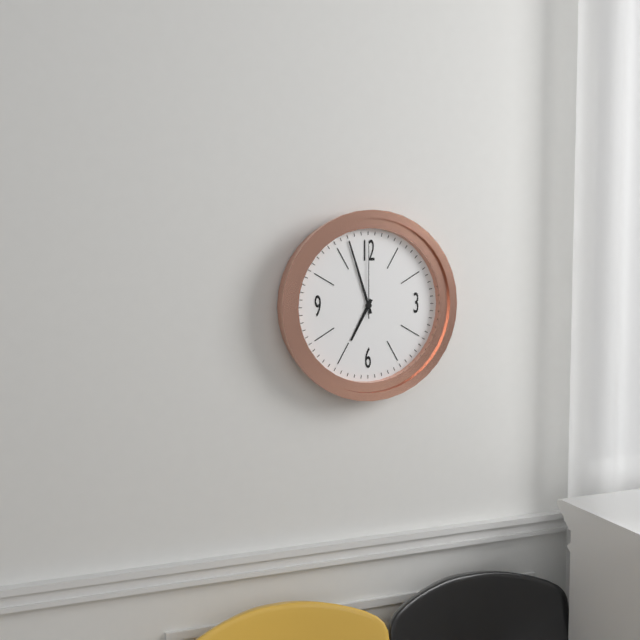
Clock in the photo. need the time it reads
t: 6:57:00
